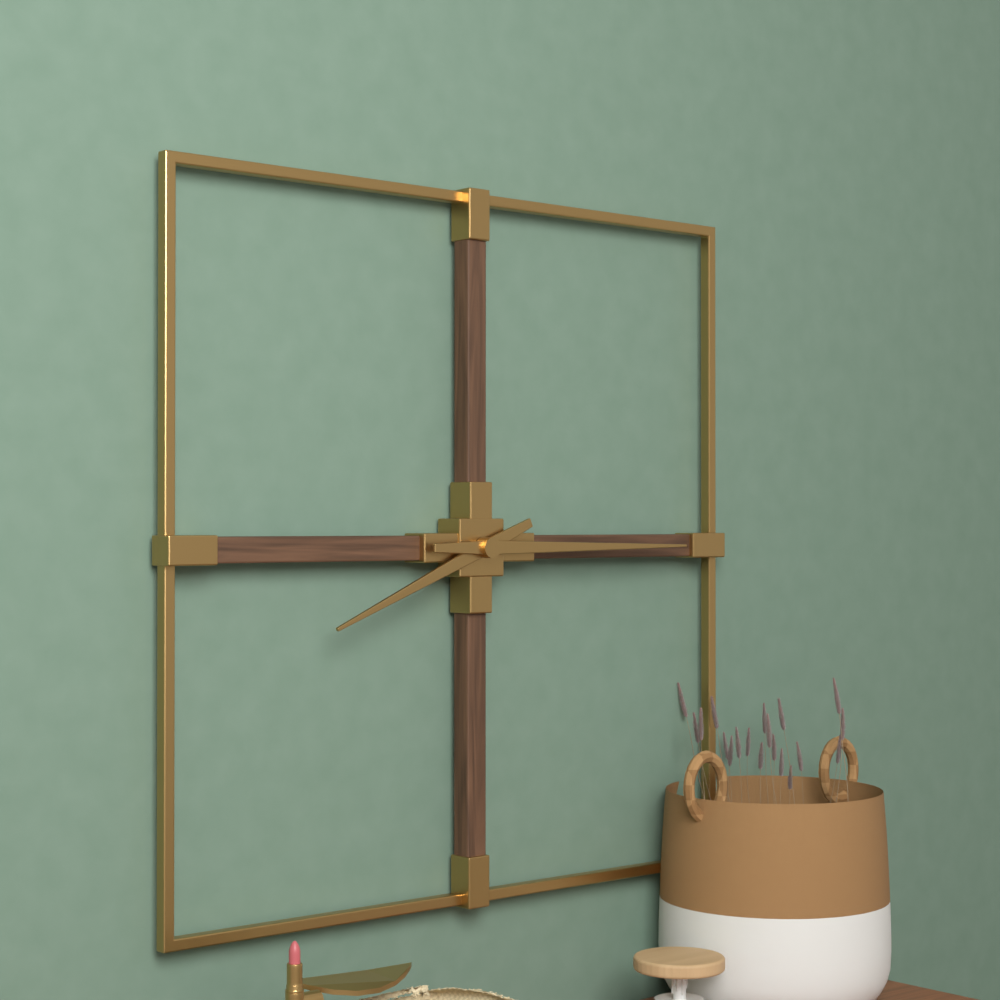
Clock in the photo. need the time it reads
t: 8:15
